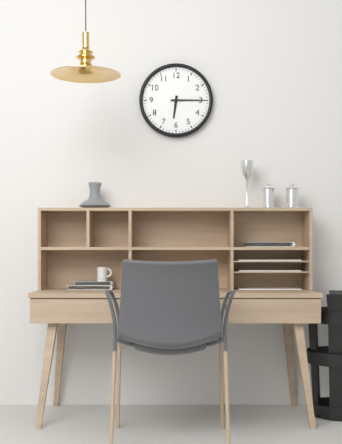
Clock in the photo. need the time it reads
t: 6:15
